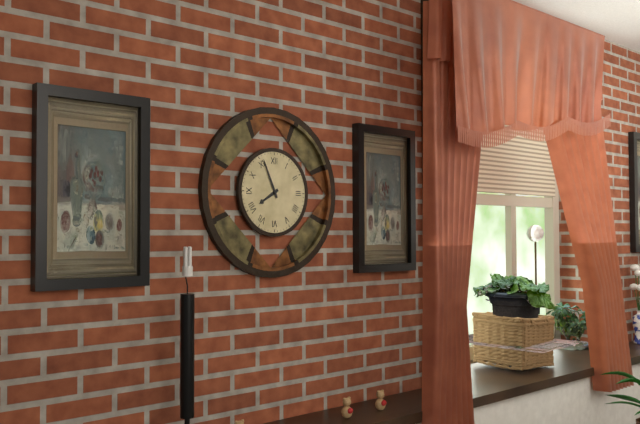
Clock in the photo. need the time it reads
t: 7:56
